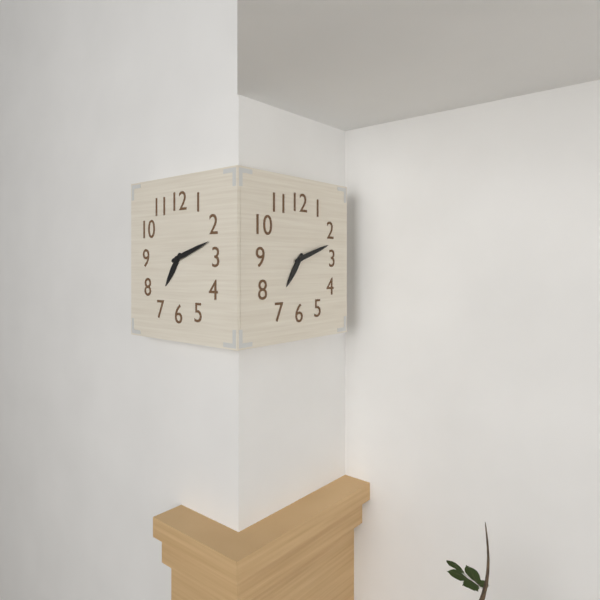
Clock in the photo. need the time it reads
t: 7:12
